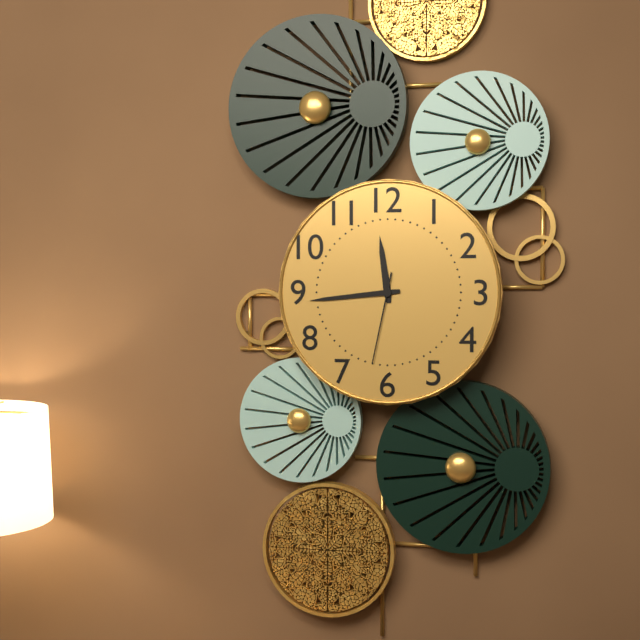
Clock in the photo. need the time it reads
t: 11:44:32
